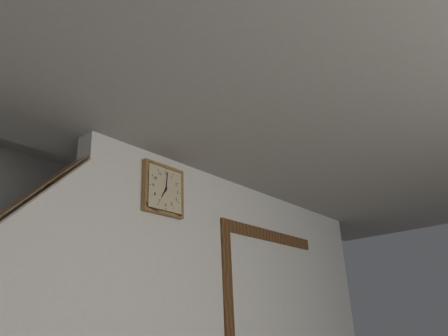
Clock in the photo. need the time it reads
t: 7:01
